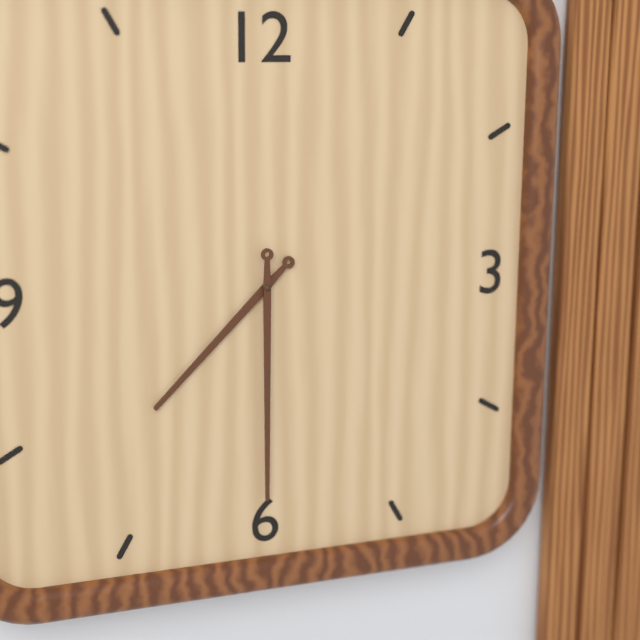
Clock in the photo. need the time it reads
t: 7:30
